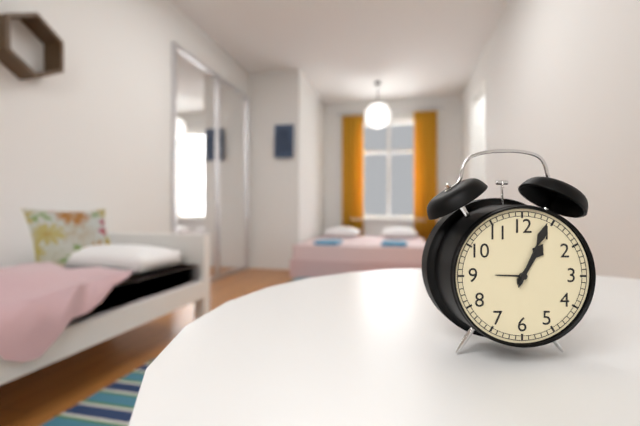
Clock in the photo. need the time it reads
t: 1:04
